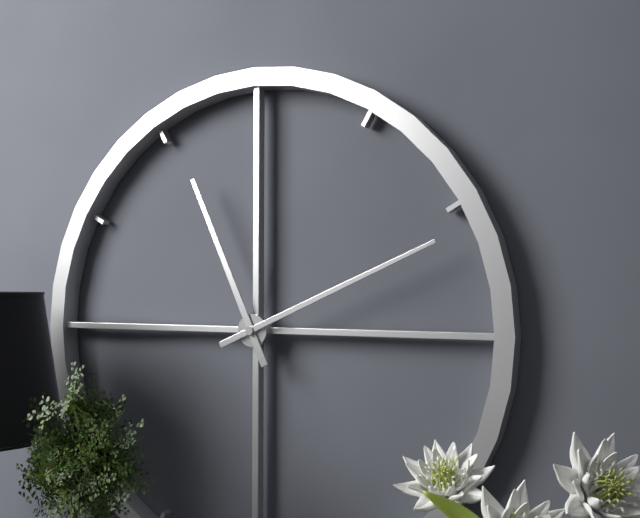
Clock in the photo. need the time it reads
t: 11:11
